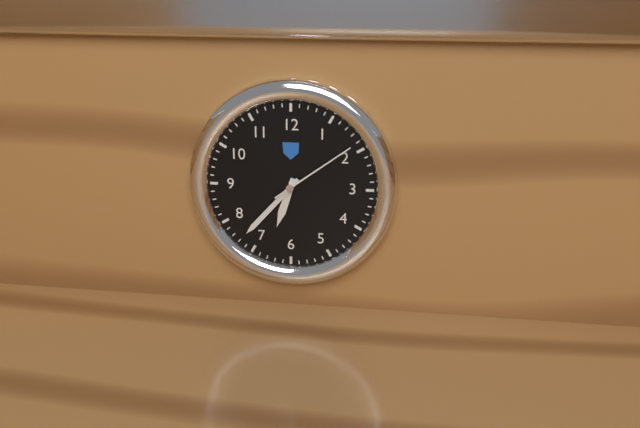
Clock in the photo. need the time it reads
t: 6:37:09
